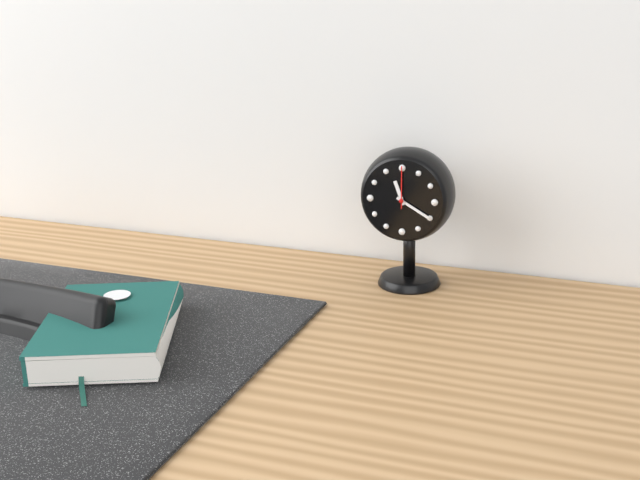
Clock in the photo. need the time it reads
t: 11:20
